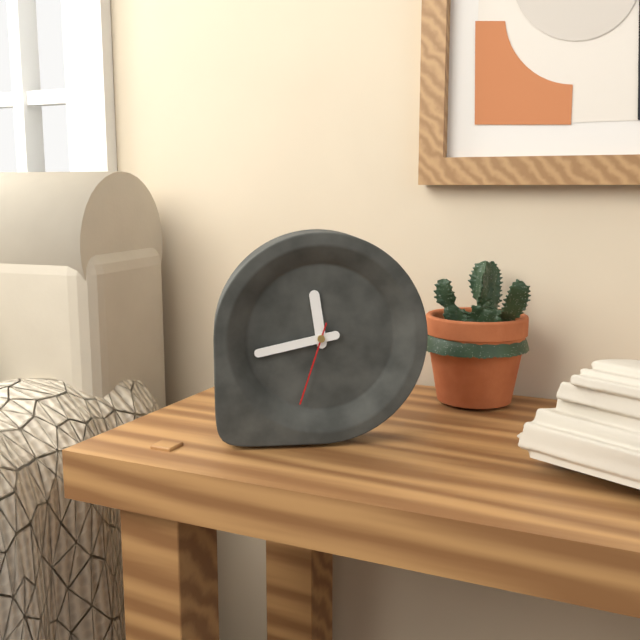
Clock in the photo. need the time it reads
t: 11:43:33
